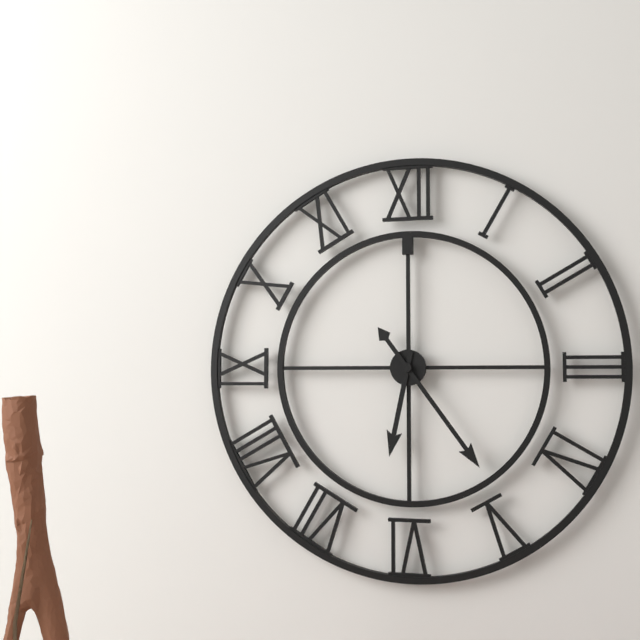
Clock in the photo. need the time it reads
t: 6:24
